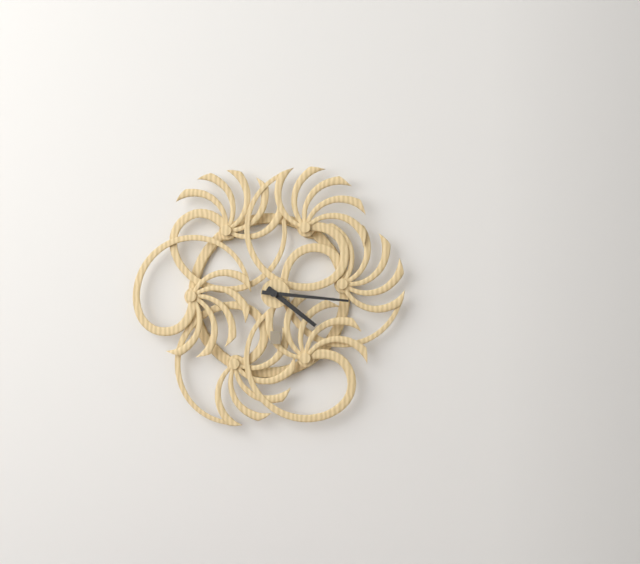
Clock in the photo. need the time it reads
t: 4:16
